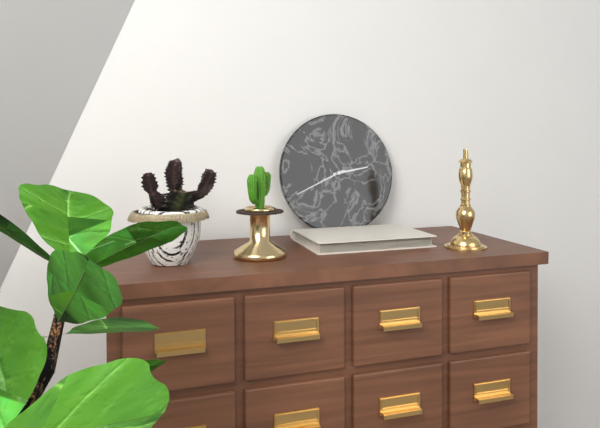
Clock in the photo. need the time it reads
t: 2:41
